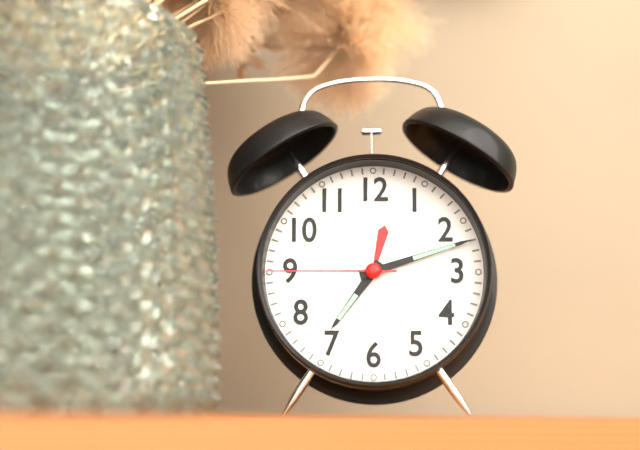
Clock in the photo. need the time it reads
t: 7:12:45
